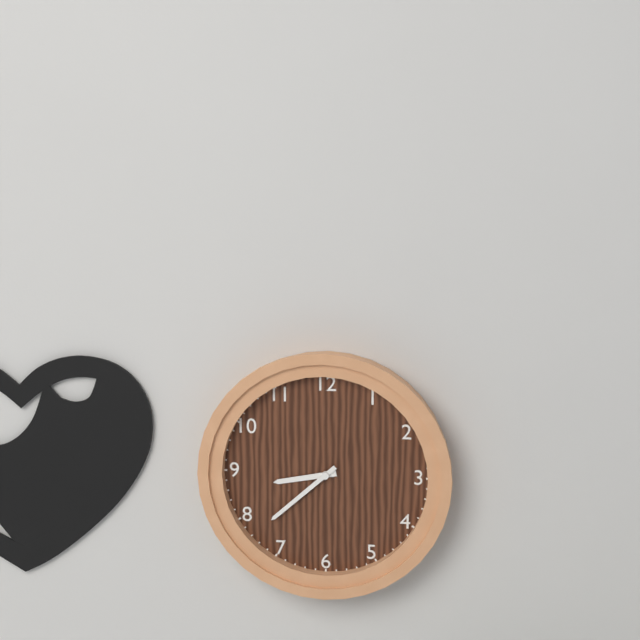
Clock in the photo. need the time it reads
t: 8:38
